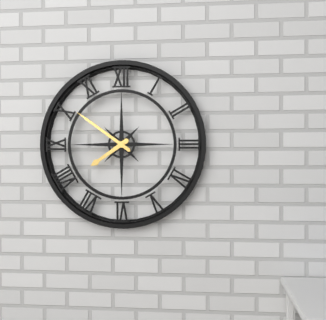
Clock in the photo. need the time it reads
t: 7:51
